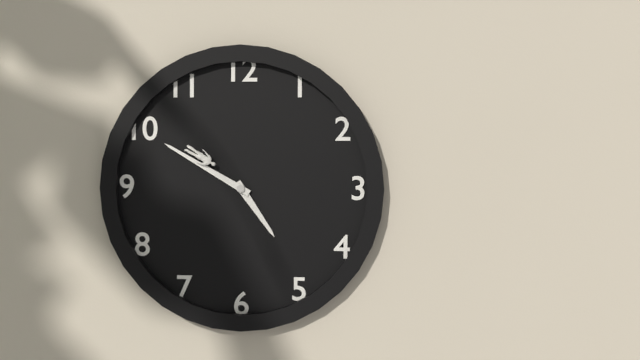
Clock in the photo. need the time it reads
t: 4:50
